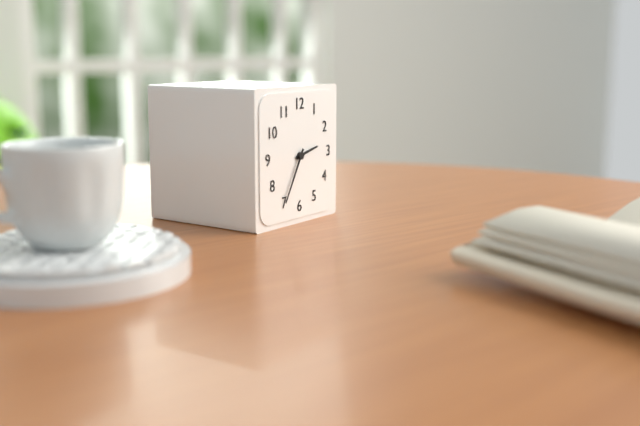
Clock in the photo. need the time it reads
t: 2:35
